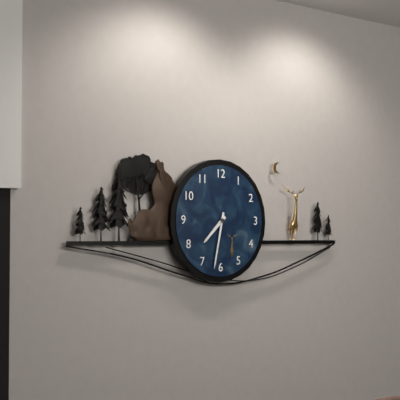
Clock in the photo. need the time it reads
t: 7:32
